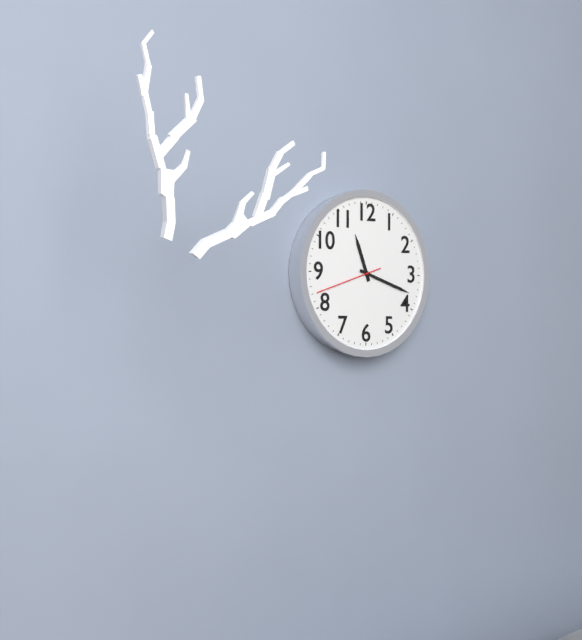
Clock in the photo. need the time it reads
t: 11:18:42
